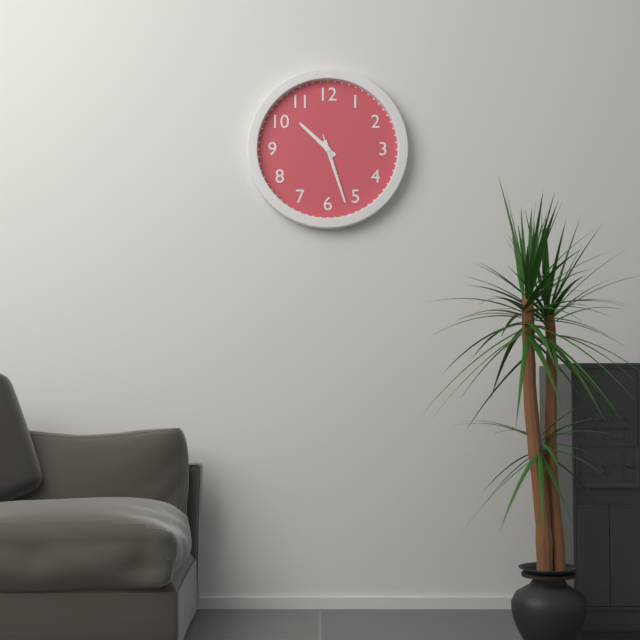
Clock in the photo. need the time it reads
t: 10:27:27
